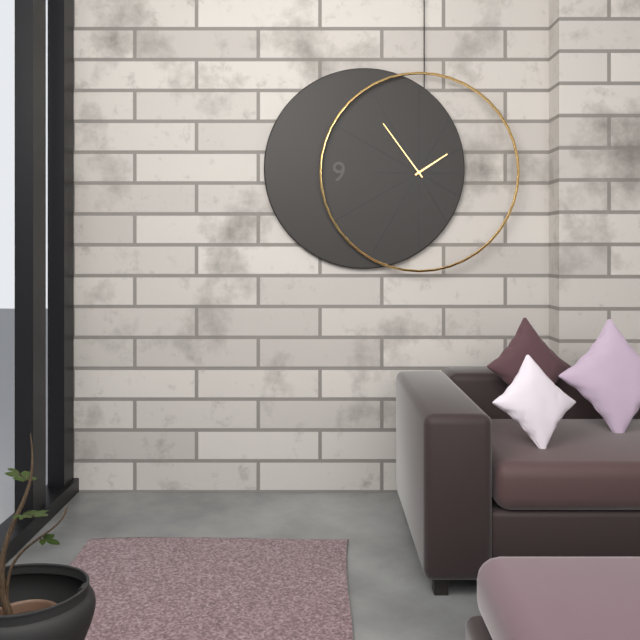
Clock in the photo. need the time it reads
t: 1:54
